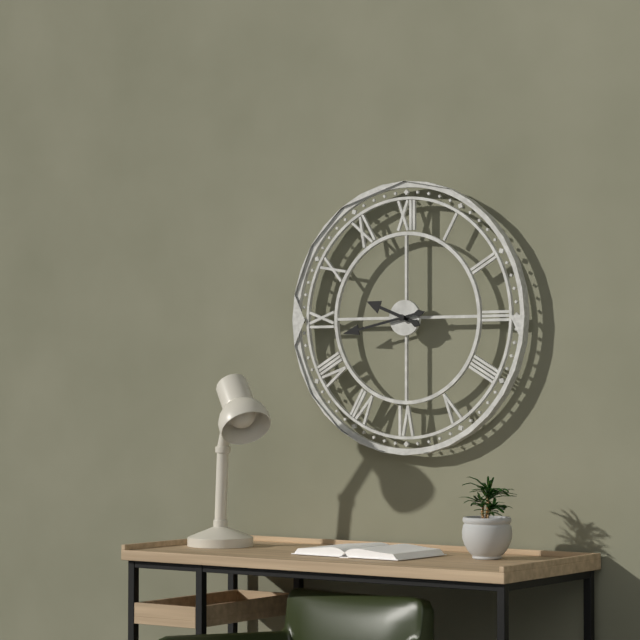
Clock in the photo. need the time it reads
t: 9:43
